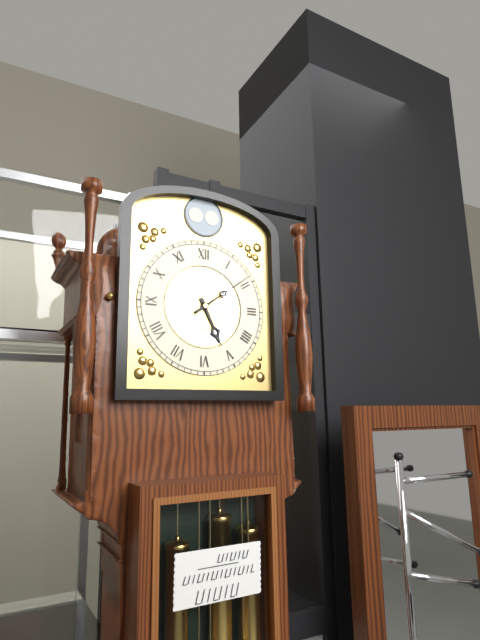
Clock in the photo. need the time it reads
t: 5:09
